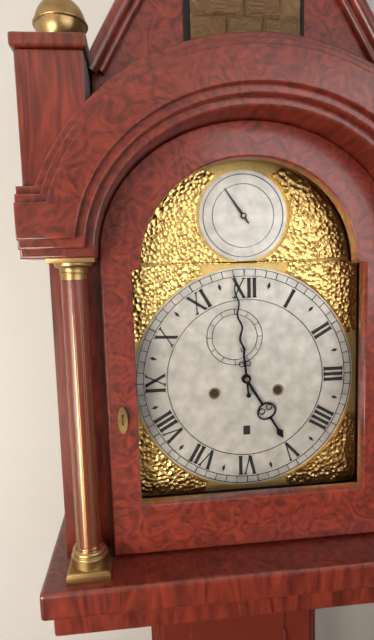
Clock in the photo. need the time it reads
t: 4:59
